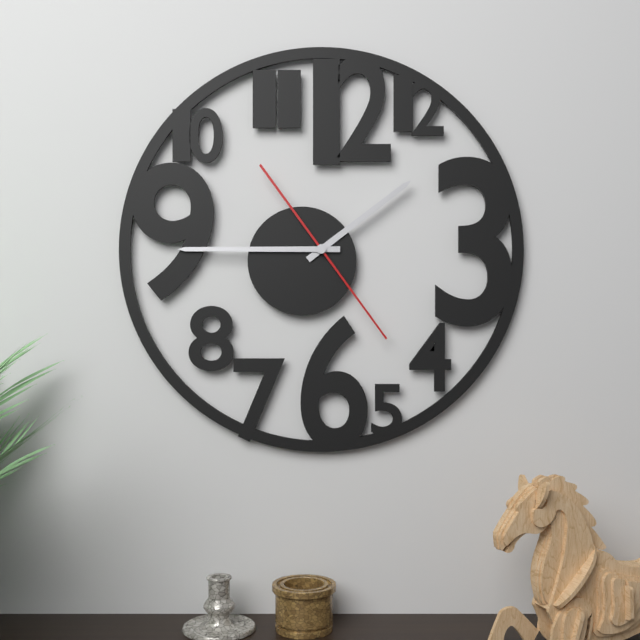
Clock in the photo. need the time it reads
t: 1:45:24
